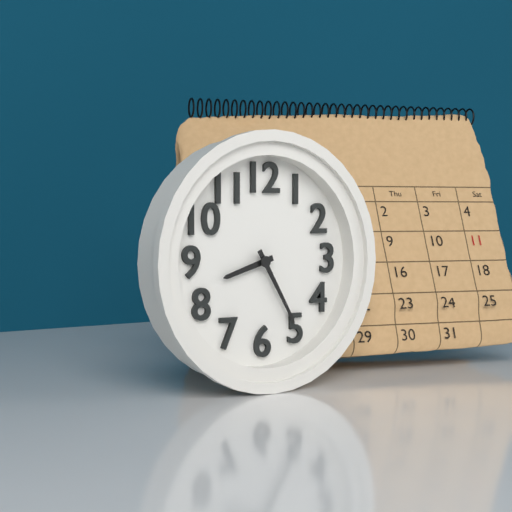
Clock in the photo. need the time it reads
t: 8:25
